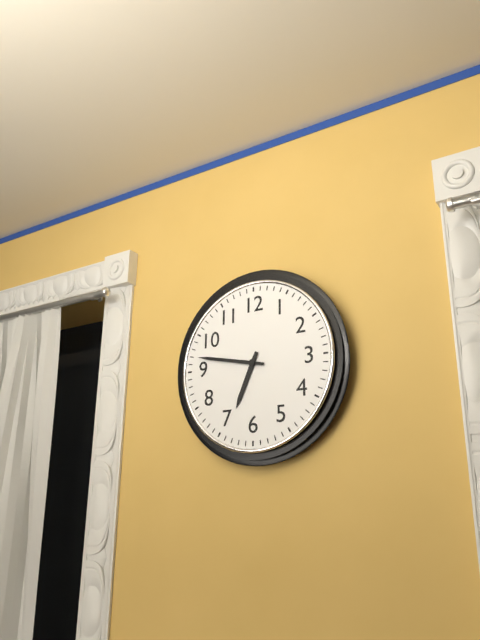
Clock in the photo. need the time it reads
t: 6:47
